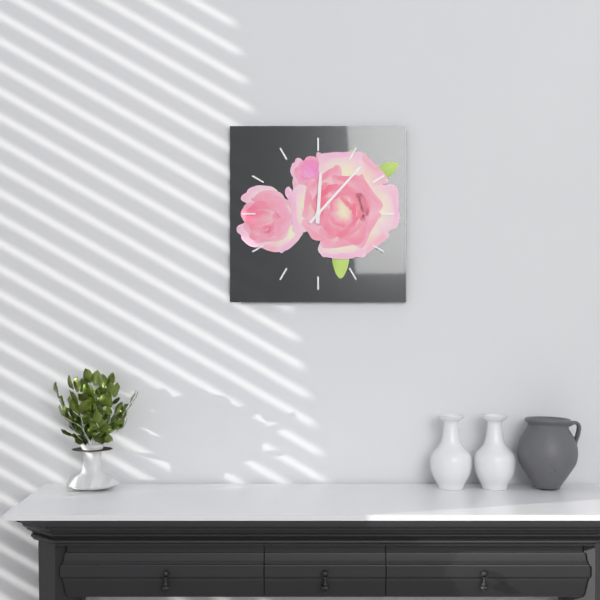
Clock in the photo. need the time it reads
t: 12:07
